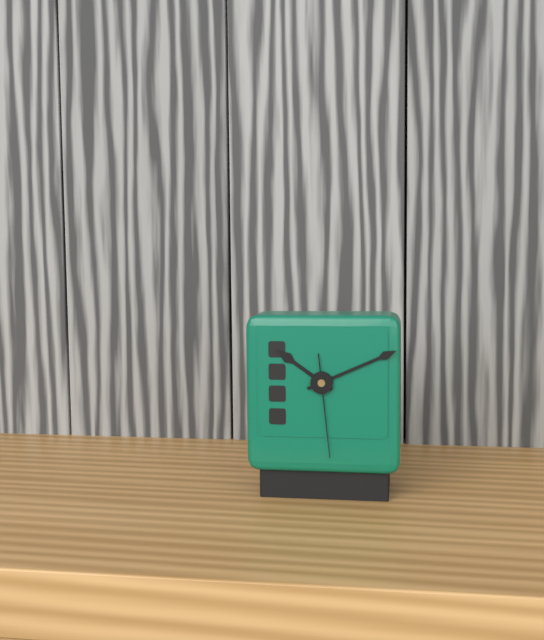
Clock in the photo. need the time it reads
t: 10:11:29
